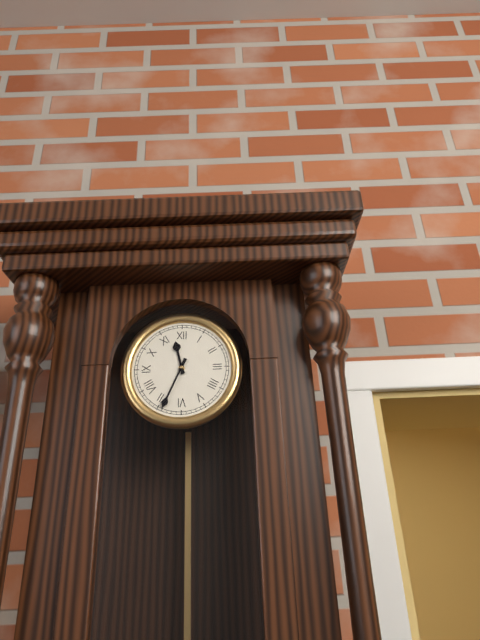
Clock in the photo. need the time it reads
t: 11:34
